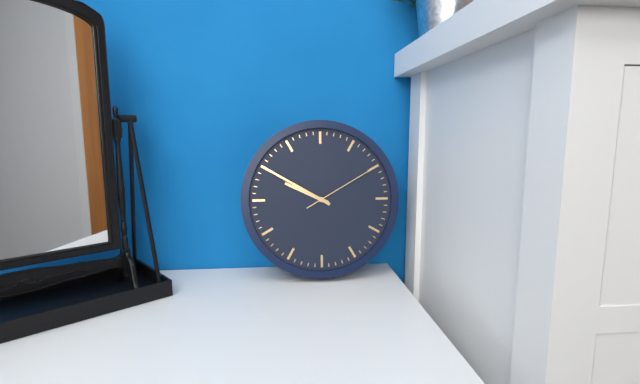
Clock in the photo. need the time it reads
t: 9:50:10
